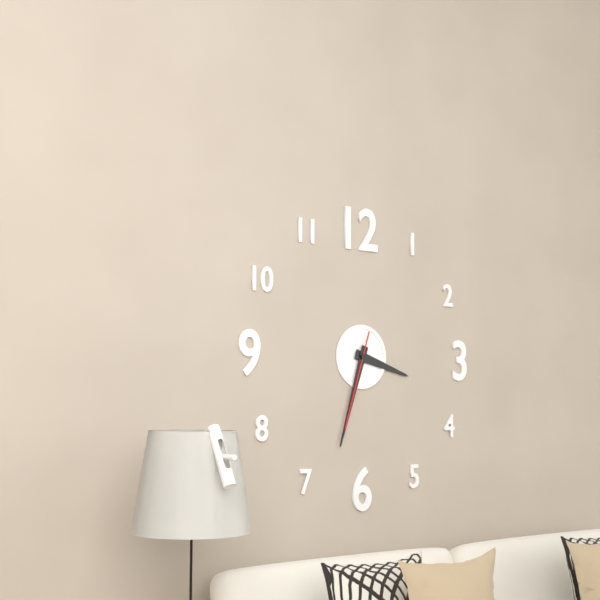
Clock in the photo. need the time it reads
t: 3:33:33
